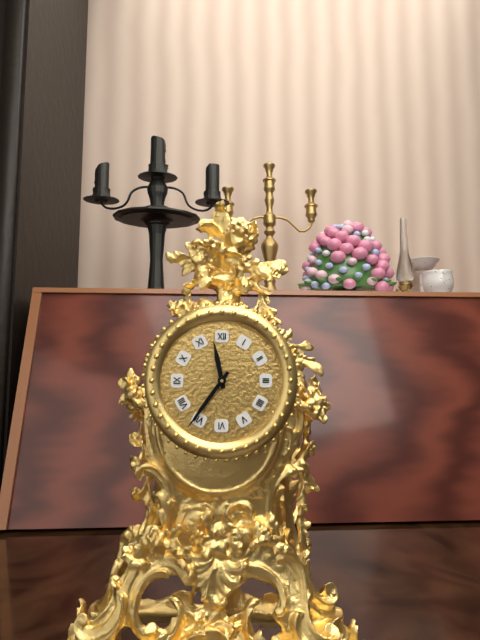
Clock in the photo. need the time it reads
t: 11:36
